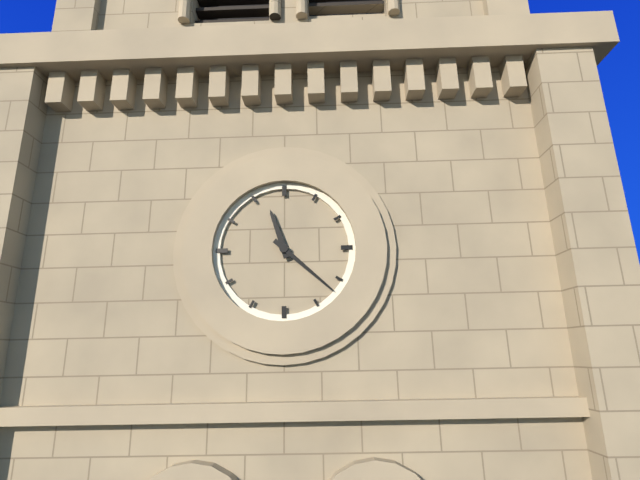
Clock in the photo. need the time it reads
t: 11:22
